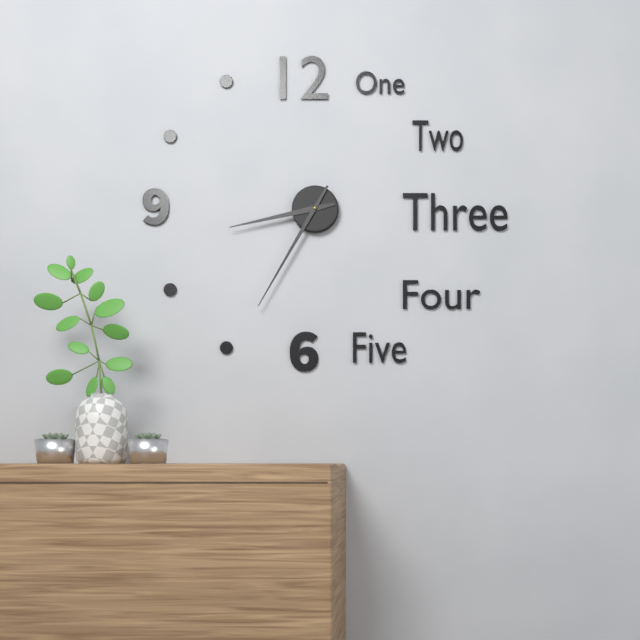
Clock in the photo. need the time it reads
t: 8:35
